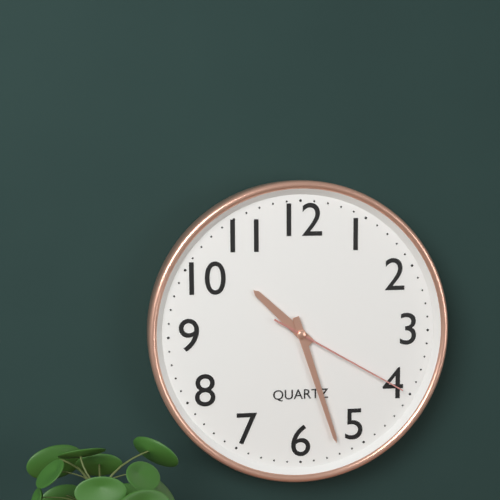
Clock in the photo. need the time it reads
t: 10:27:20
